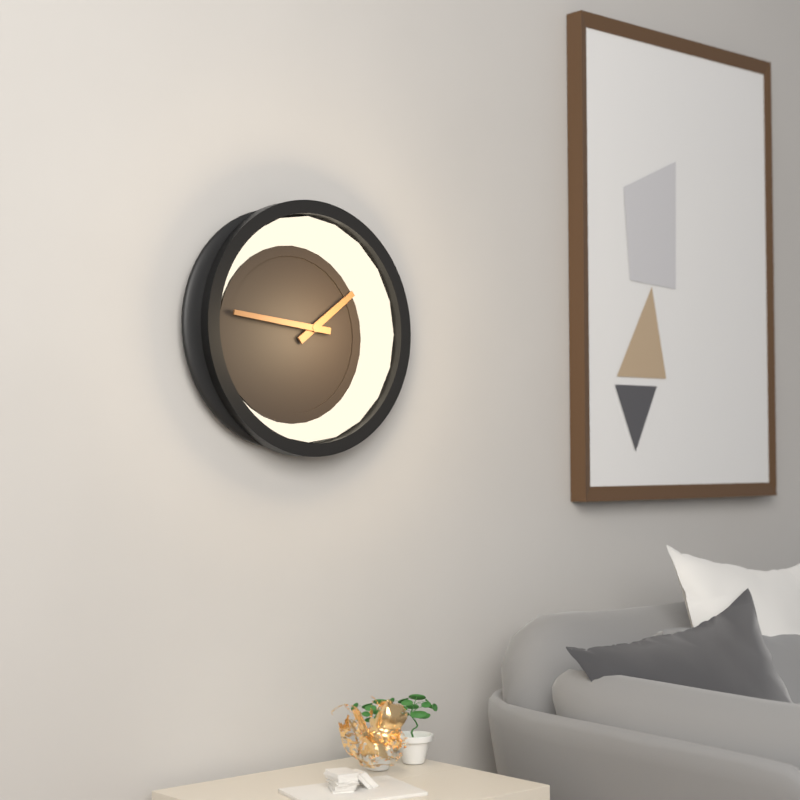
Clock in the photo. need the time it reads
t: 1:46
